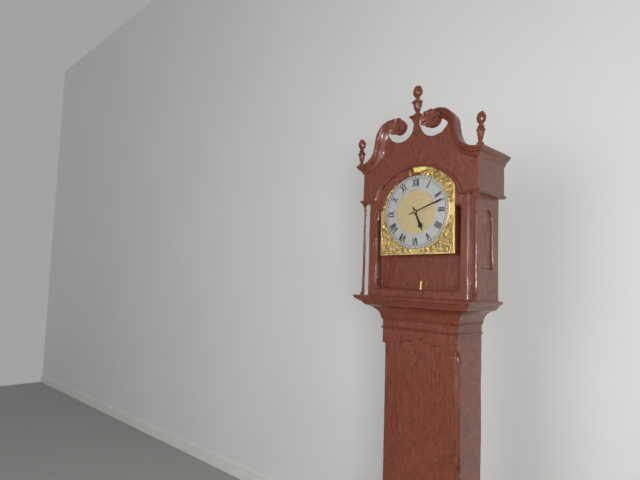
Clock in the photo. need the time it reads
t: 5:12
